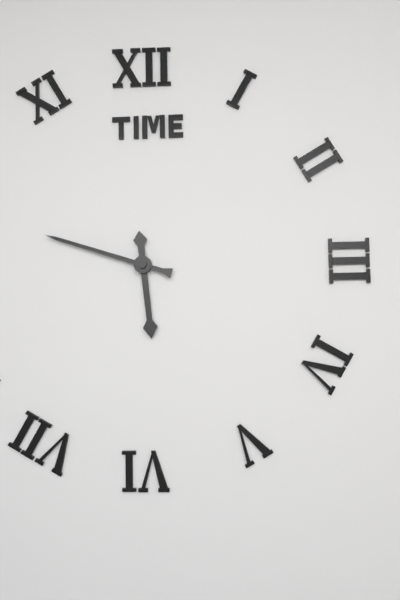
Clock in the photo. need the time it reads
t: 5:48
